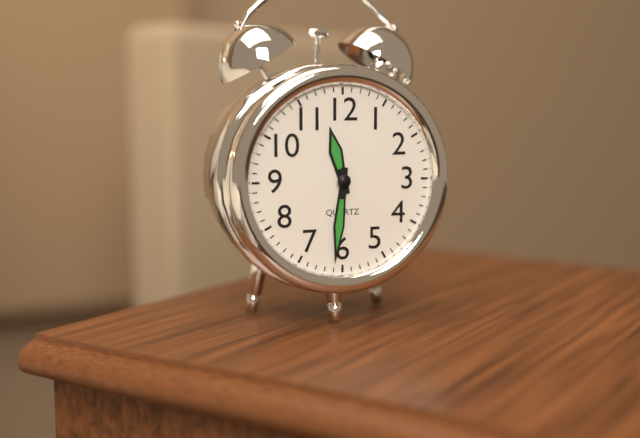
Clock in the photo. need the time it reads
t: 11:31
